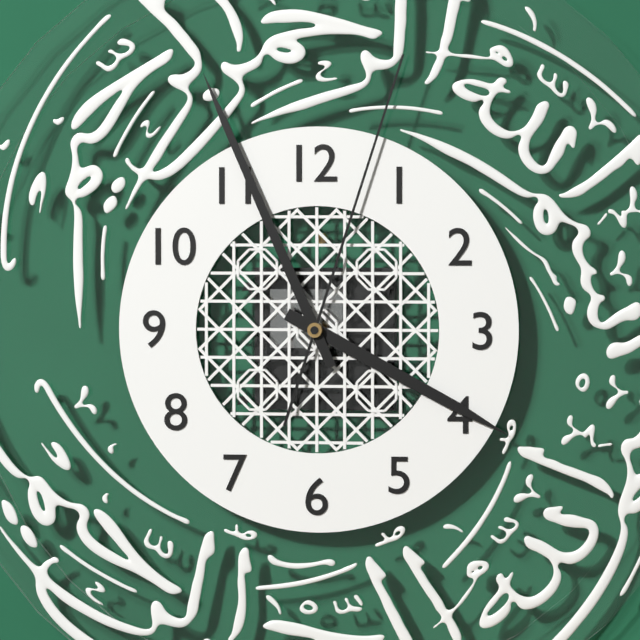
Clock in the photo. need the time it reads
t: 3:56:03
